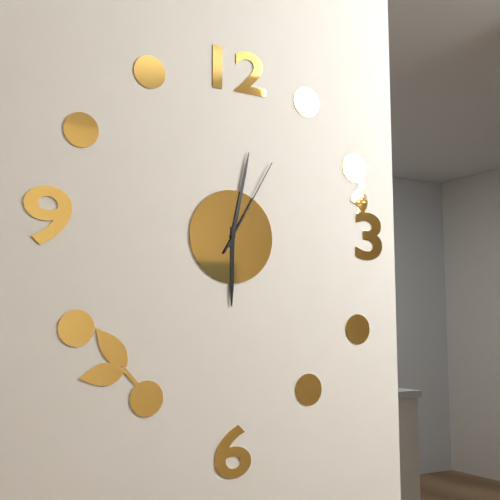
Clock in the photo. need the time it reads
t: 6:02:05
